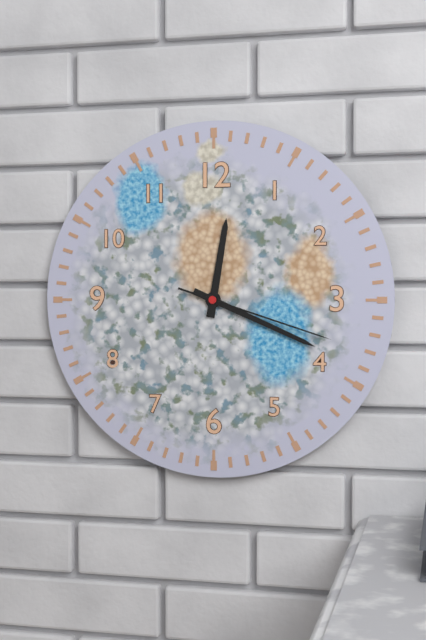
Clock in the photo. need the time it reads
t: 12:19:18
